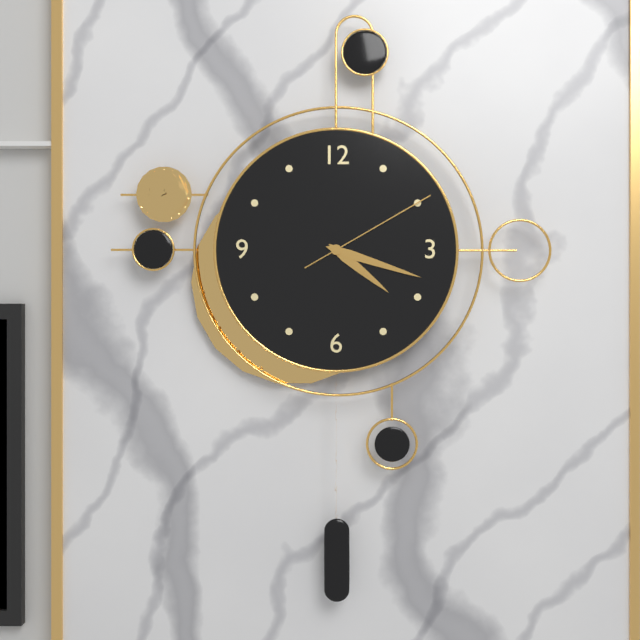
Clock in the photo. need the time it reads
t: 4:18:10
